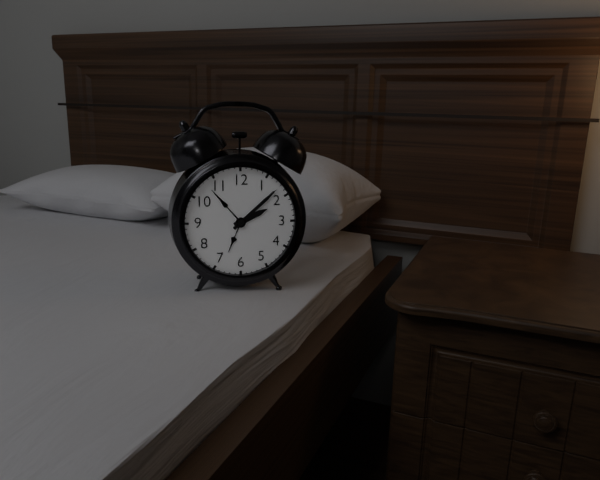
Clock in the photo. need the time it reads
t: 2:08
